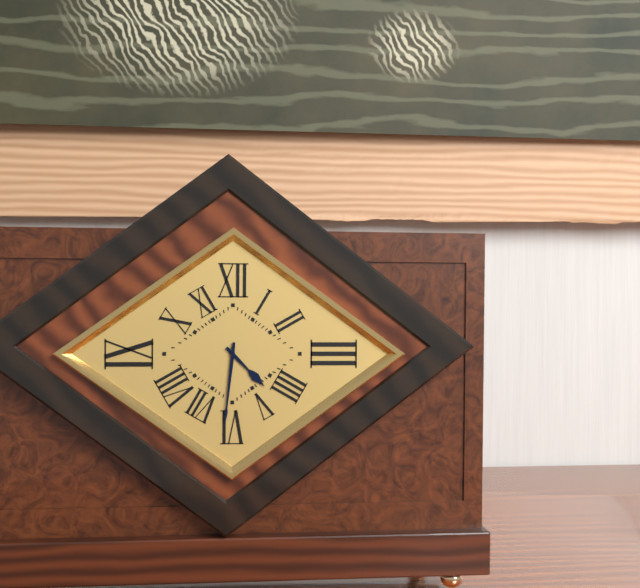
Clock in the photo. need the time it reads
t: 4:31
